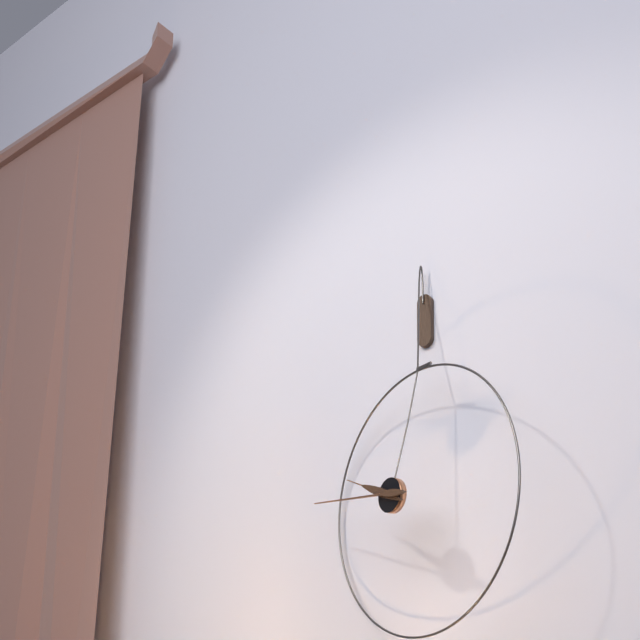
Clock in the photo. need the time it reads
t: 9:46
